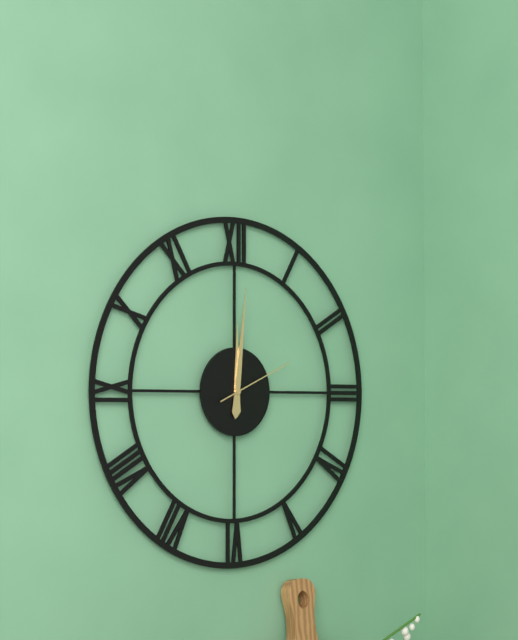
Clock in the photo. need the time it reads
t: 12:01:11
